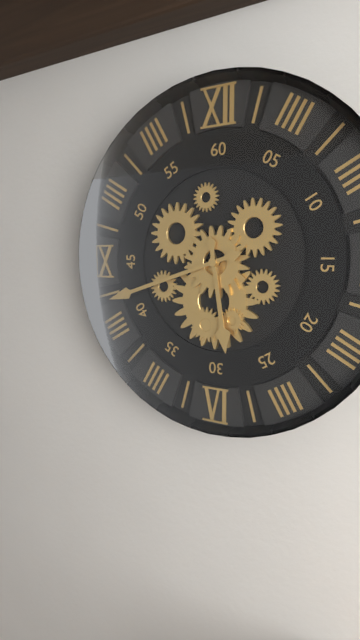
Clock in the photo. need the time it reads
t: 5:42
